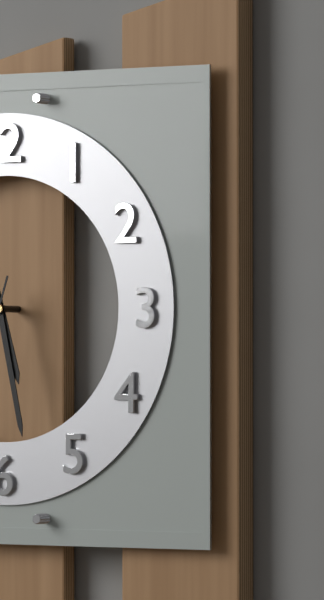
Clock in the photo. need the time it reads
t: 5:28
